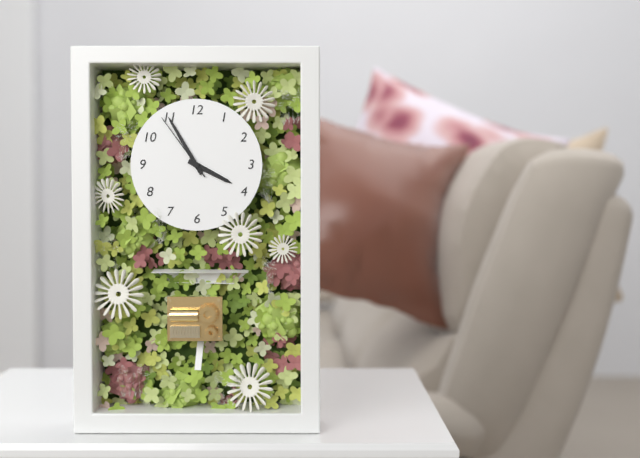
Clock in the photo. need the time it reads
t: 3:55:54
